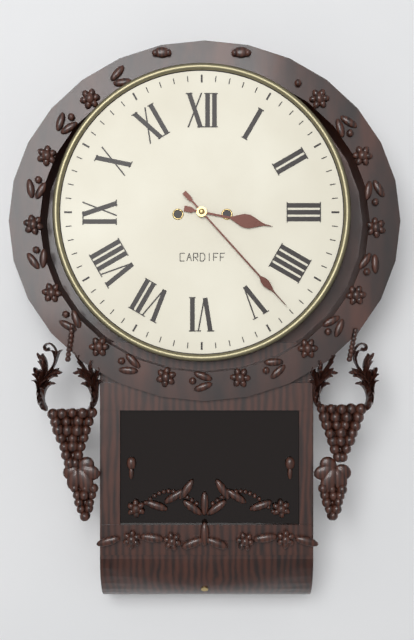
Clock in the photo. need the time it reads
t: 3:23
